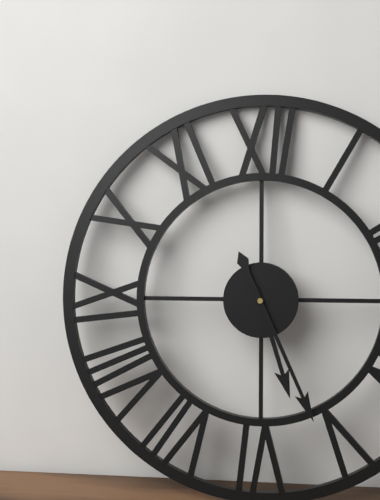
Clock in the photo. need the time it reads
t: 5:26
